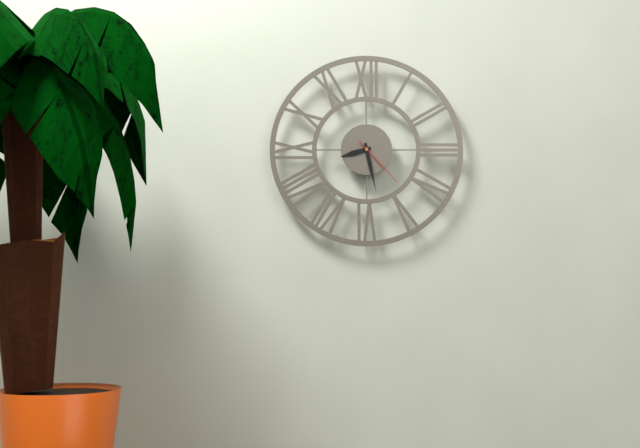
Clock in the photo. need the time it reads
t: 8:28:23
